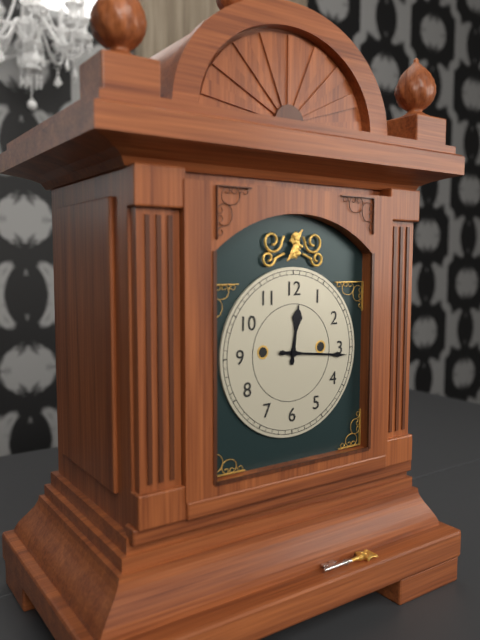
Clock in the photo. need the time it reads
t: 12:16
